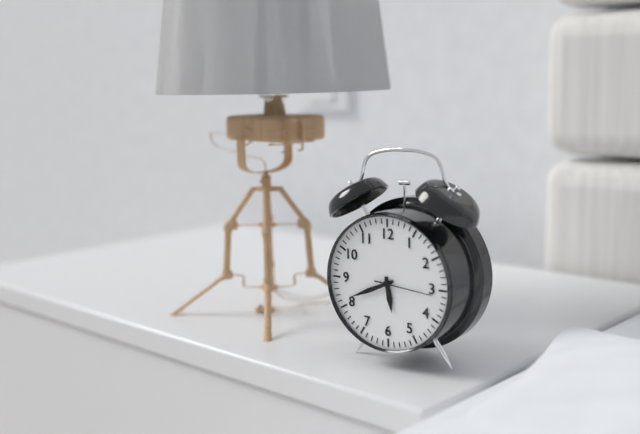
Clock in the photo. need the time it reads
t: 5:41
